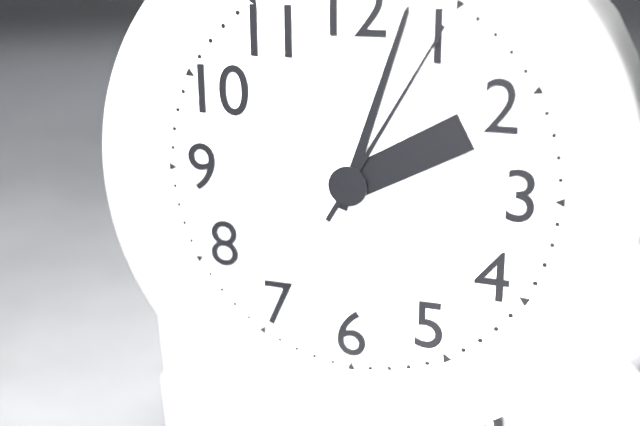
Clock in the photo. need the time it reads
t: 2:03:05
